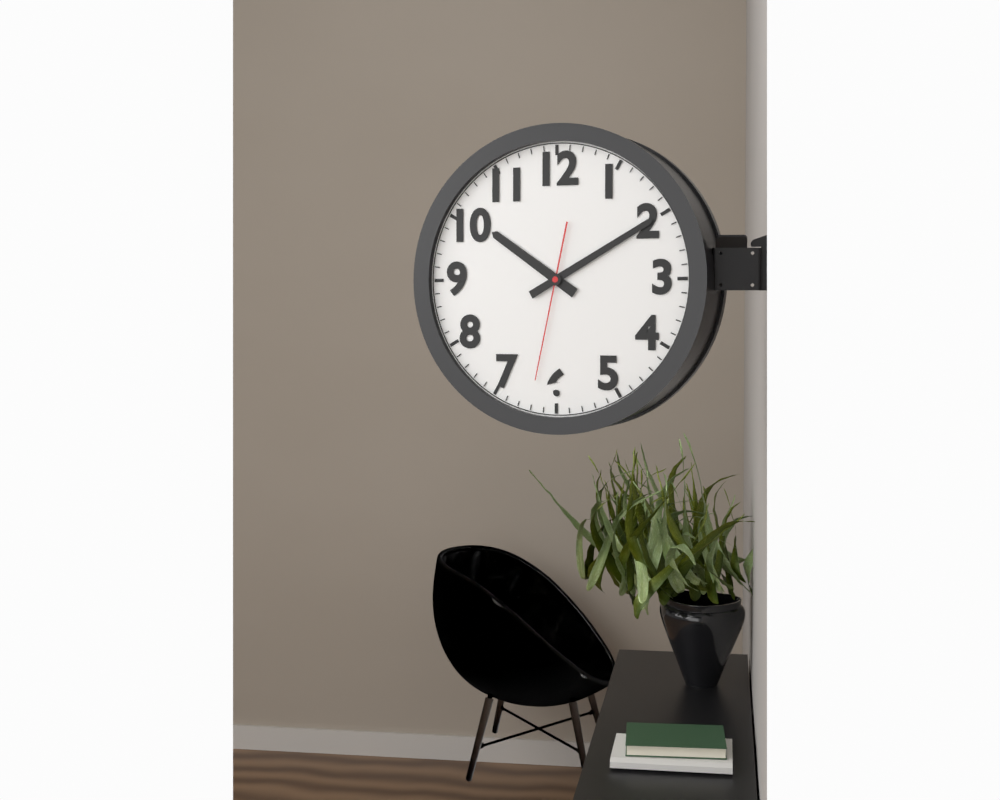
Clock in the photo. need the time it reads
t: 10:10:32
